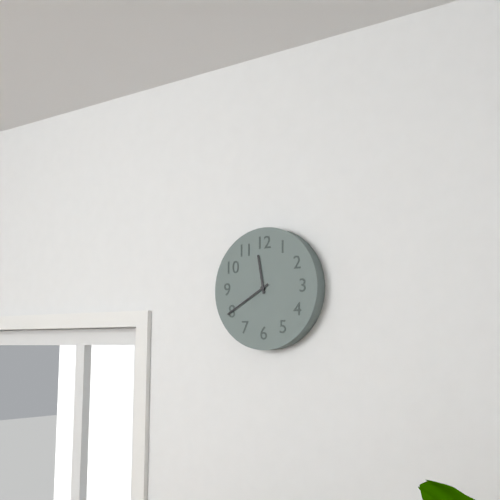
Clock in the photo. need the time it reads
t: 11:40
